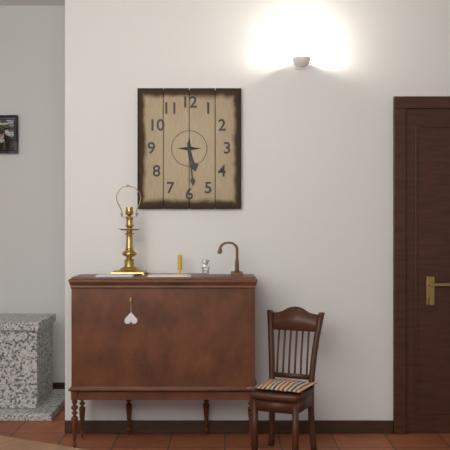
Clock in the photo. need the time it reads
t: 5:29
